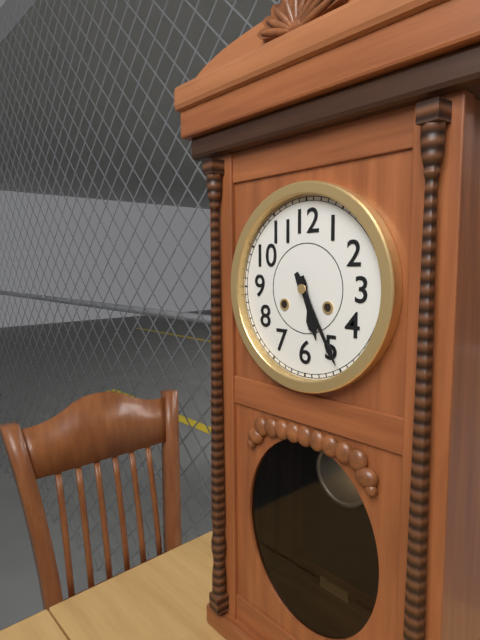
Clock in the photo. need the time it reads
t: 5:25
